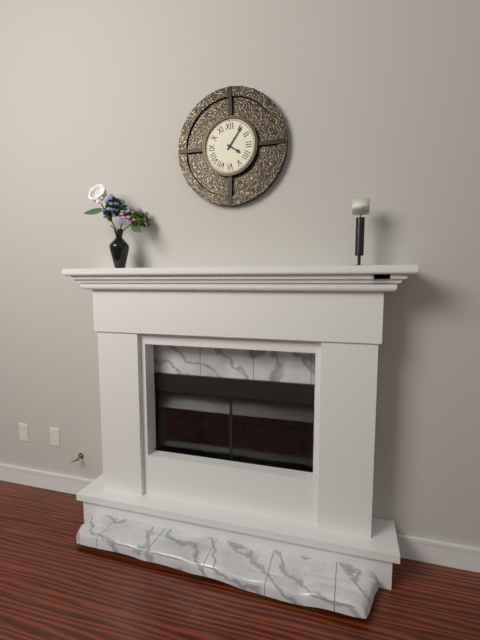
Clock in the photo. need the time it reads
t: 4:06
